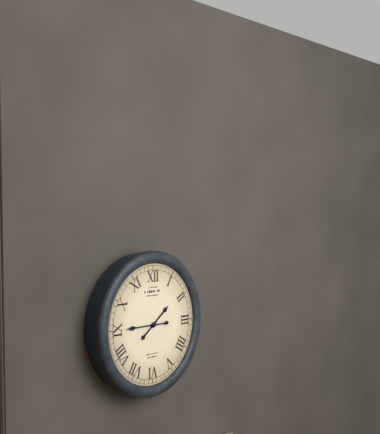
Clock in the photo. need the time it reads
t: 1:45
